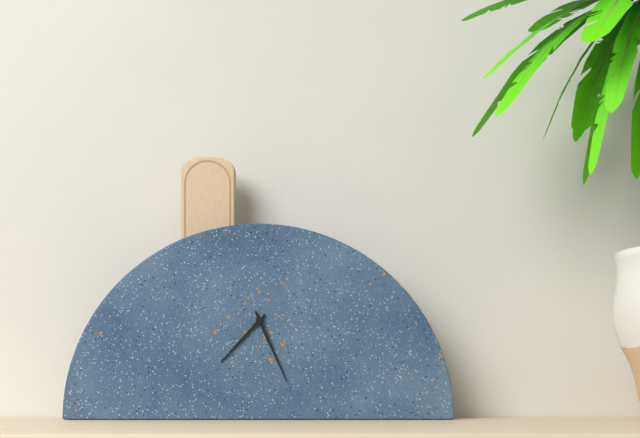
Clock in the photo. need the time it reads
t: 7:26
